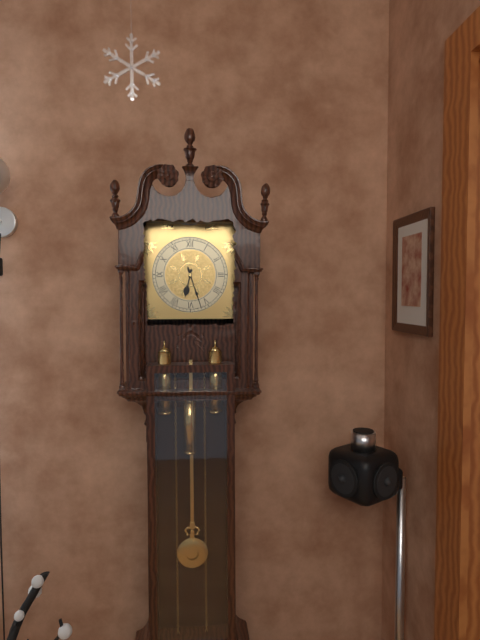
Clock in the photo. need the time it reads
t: 6:27
